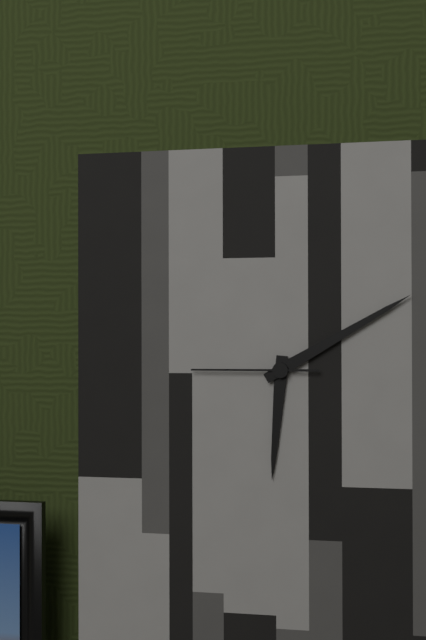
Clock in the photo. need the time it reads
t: 6:10:45
